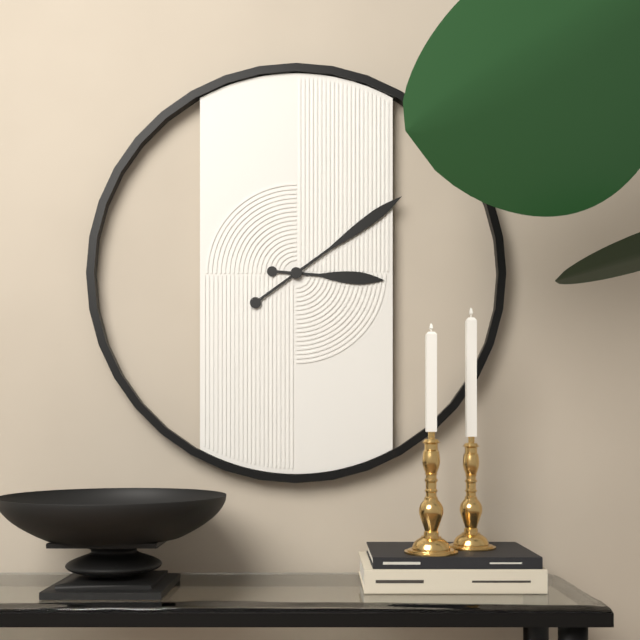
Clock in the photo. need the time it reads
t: 3:09
